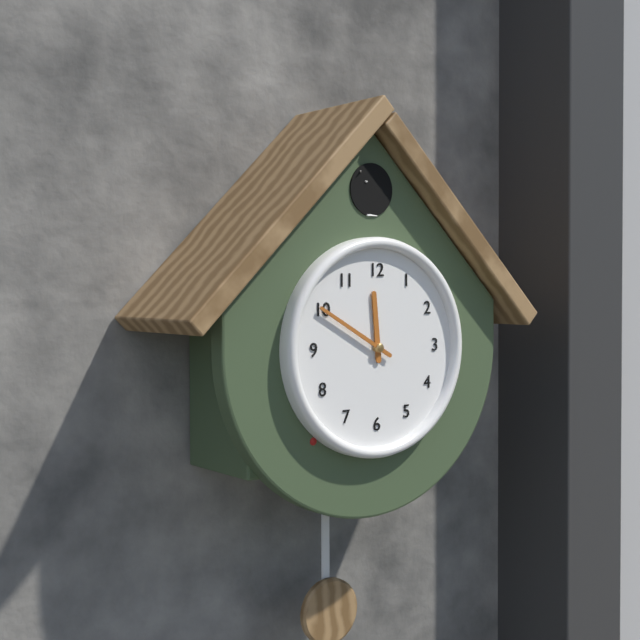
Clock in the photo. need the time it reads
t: 11:50
